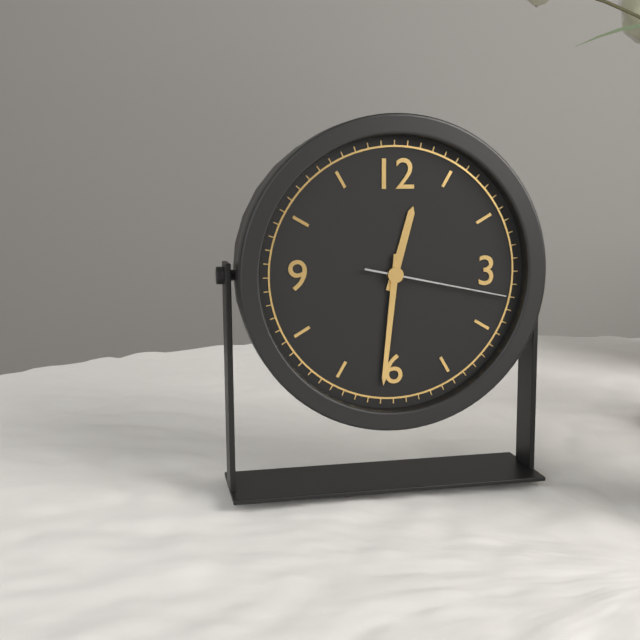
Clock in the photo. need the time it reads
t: 12:31:17
